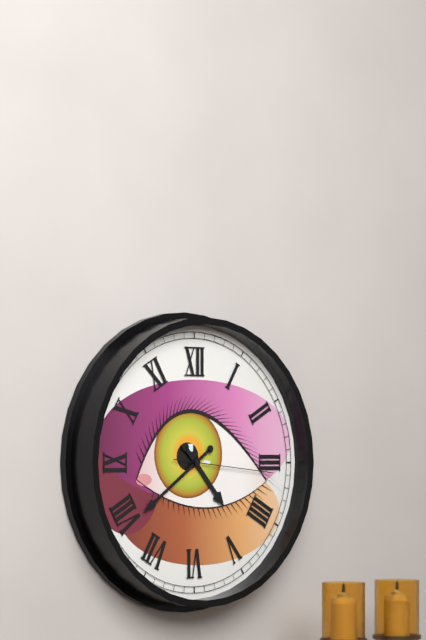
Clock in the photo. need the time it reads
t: 4:39:16
